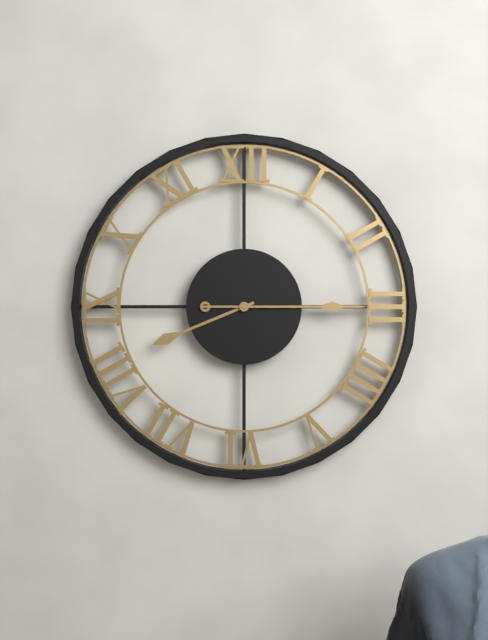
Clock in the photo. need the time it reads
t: 8:15
